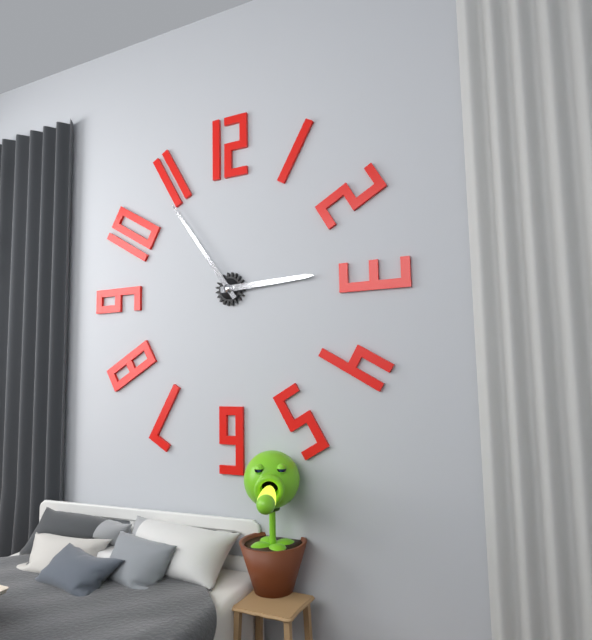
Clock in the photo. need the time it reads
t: 2:54
